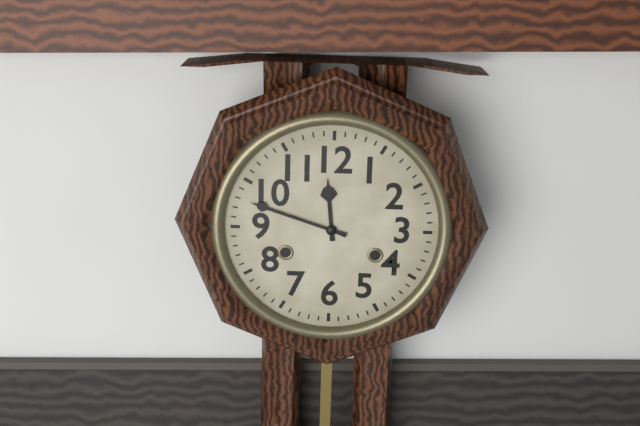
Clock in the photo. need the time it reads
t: 11:48
